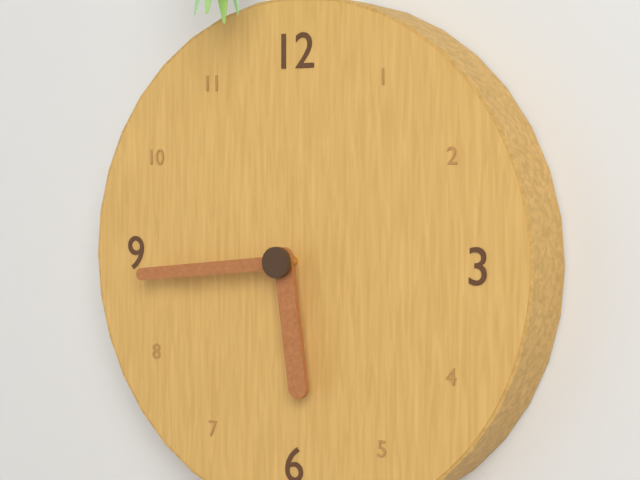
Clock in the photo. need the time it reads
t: 5:44
